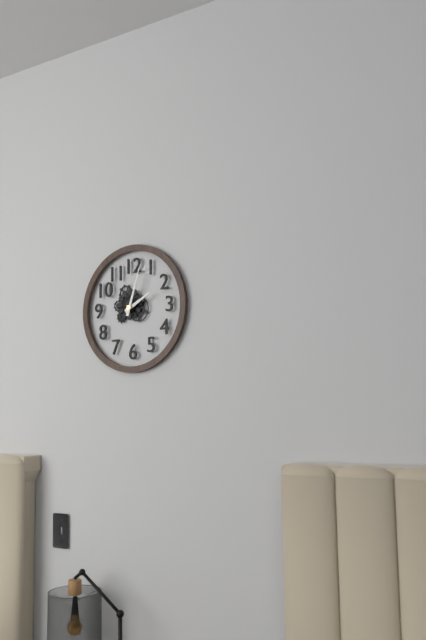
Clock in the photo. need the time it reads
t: 2:03
